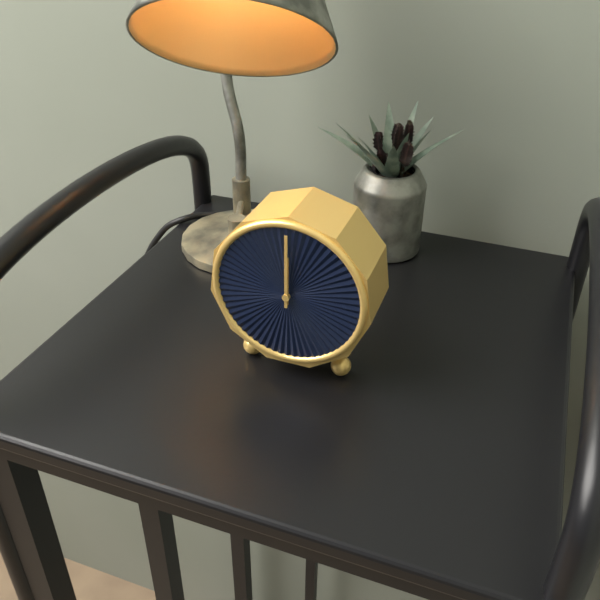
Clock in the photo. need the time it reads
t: 12:00
